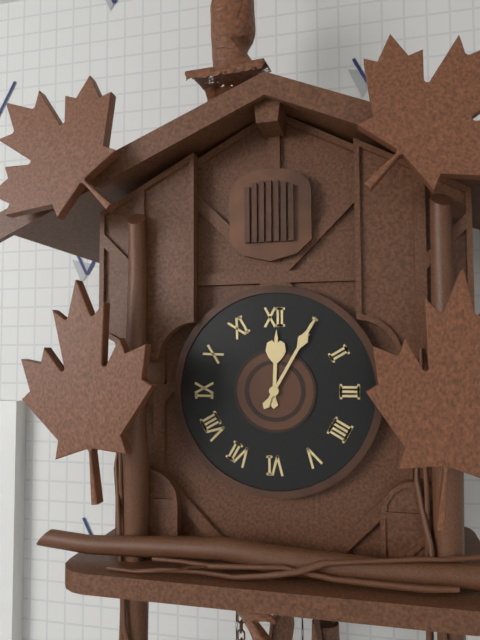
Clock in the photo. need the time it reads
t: 12:05
